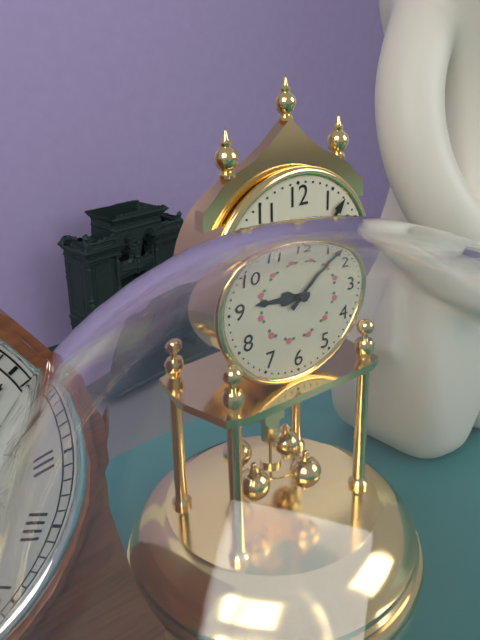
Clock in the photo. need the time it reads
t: 9:07
